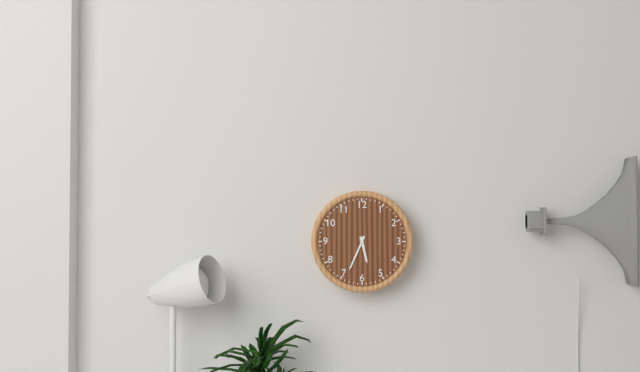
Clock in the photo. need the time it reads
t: 5:34
